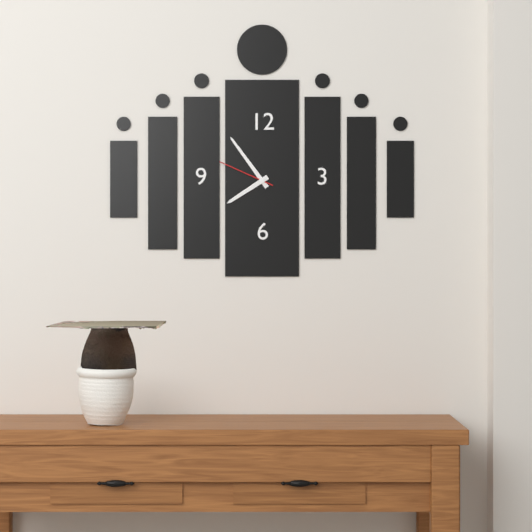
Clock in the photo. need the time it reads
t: 7:54:49
